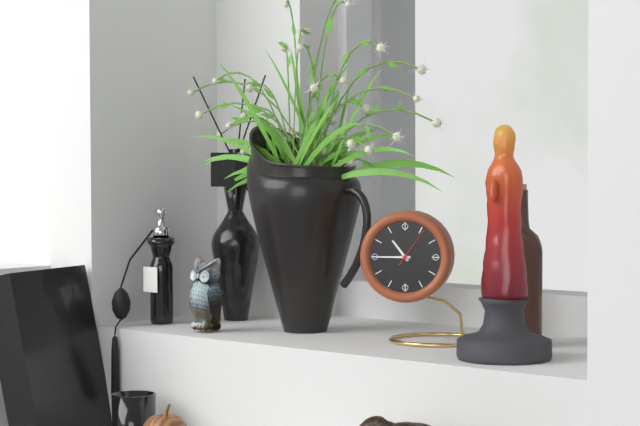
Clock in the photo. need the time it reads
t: 10:45
